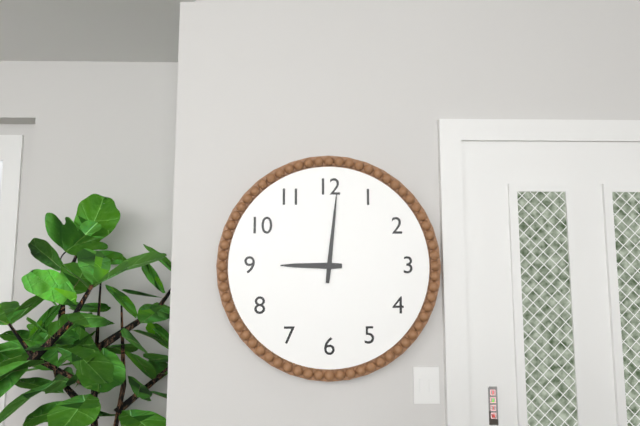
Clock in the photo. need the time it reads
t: 9:01
